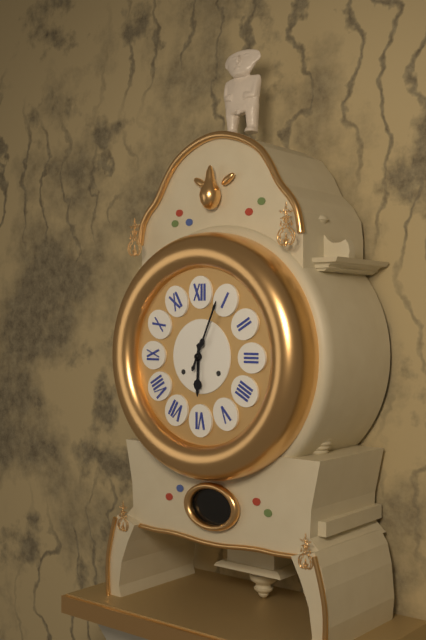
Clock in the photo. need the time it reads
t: 6:04
